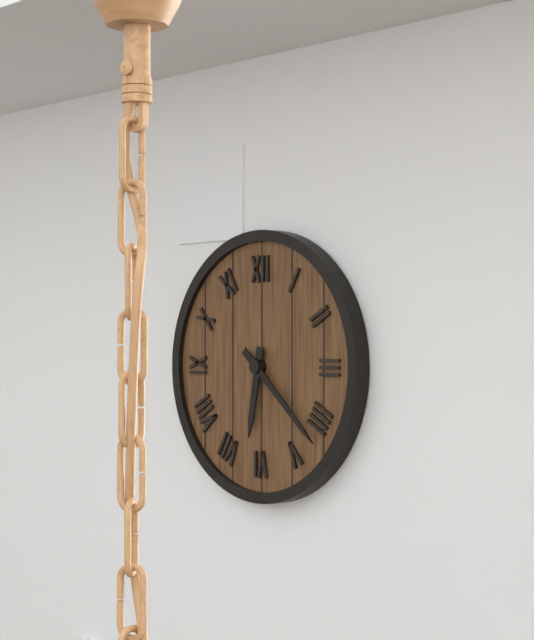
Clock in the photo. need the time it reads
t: 6:22
